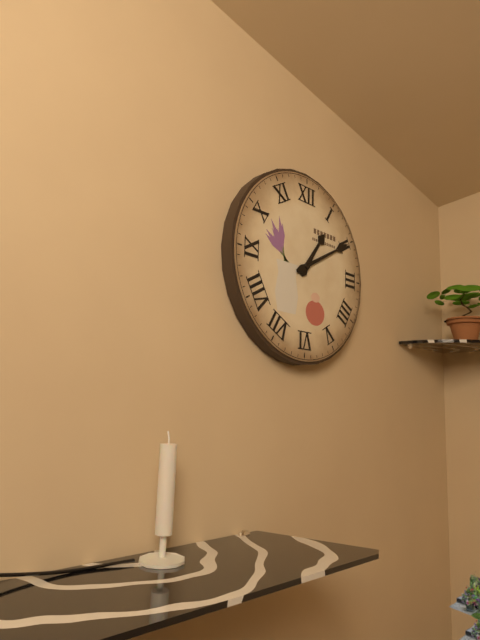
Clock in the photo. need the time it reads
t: 1:10
